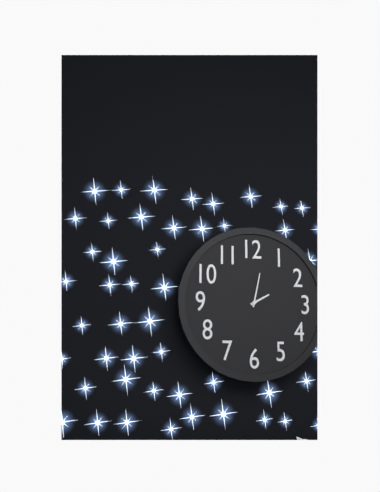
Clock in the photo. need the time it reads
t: 2:02
